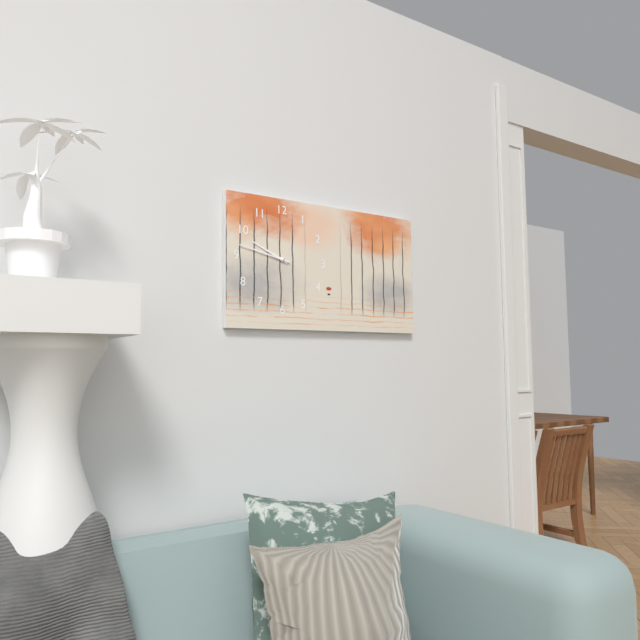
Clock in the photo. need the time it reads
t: 9:47
